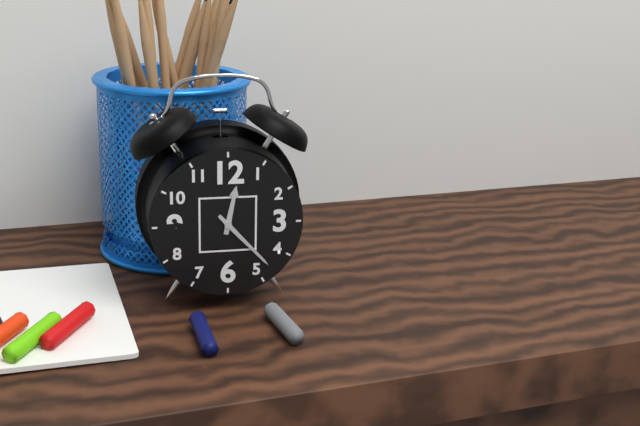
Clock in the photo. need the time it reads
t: 12:23
